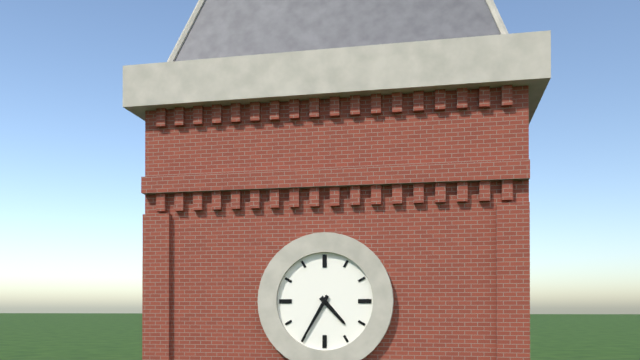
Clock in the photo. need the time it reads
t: 4:35
